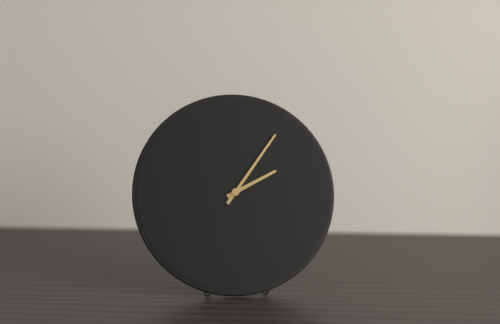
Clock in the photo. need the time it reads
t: 2:06
